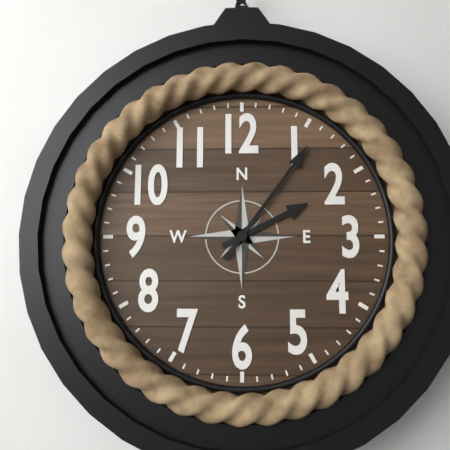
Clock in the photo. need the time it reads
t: 2:06
